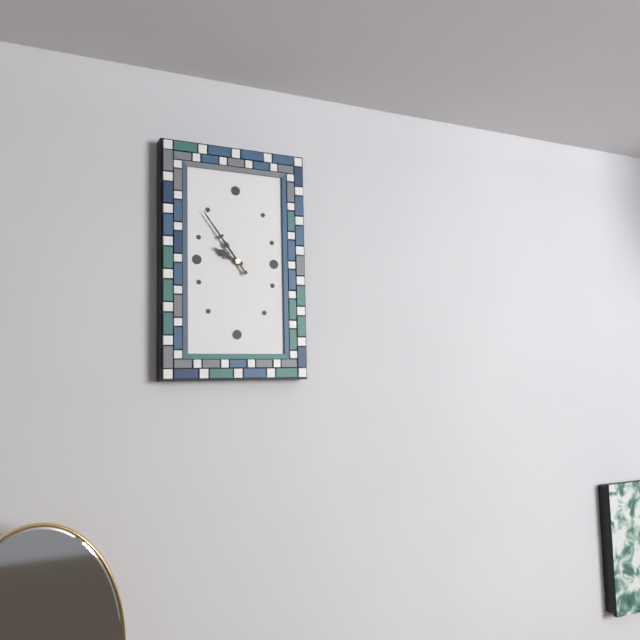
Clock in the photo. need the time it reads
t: 9:54
